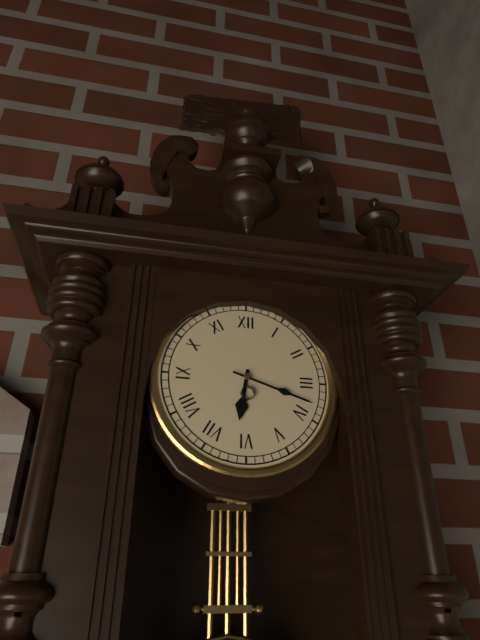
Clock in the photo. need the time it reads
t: 6:18
